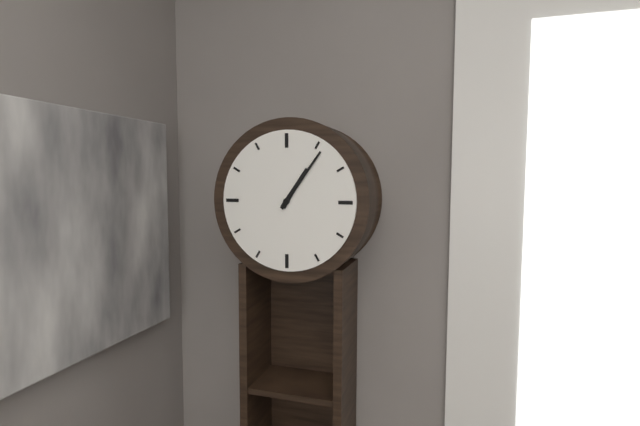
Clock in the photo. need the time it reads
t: 1:06
